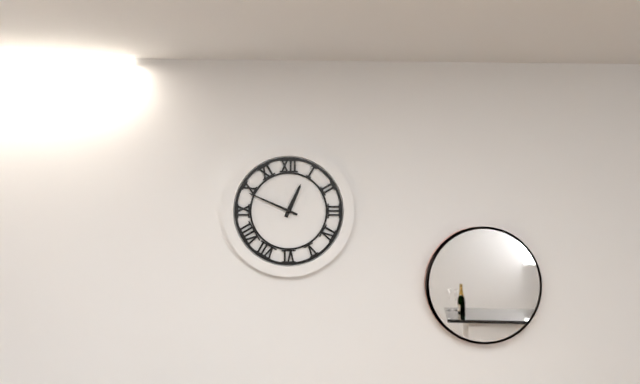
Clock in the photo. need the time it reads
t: 12:49
